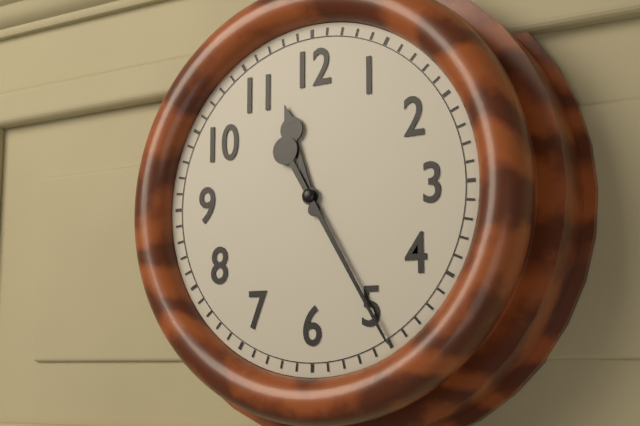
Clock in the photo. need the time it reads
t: 11:25
